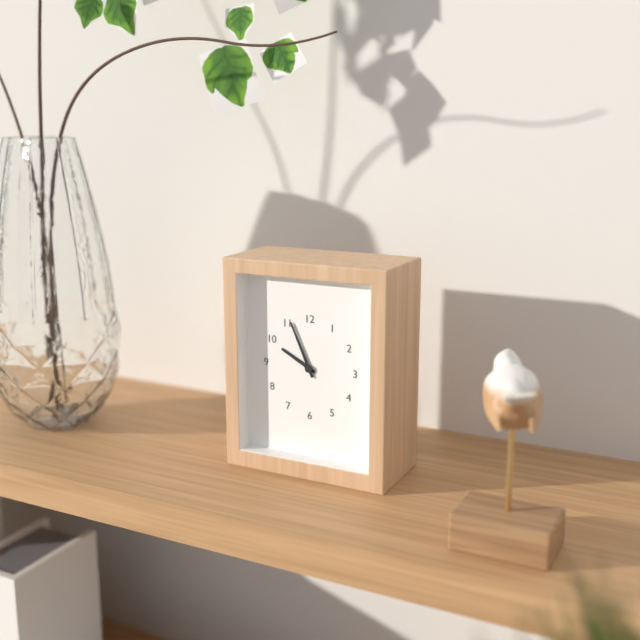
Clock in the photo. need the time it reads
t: 9:56
